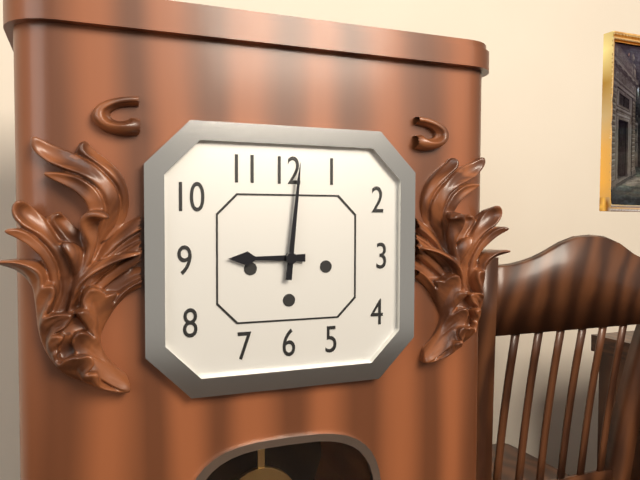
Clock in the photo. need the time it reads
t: 9:01
